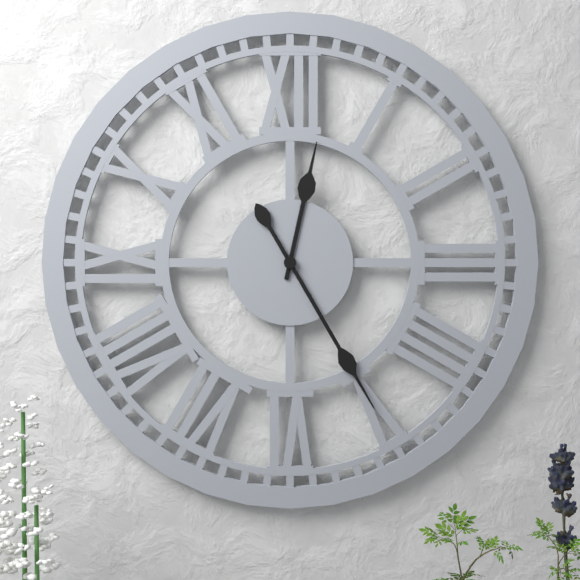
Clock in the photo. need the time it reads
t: 12:25
